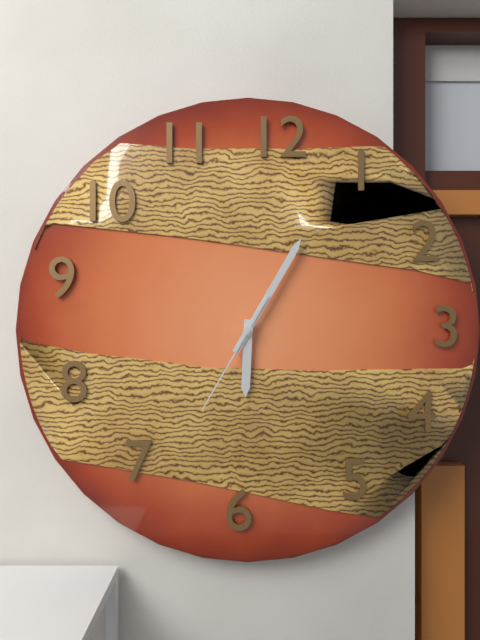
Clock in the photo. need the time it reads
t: 6:05:35
